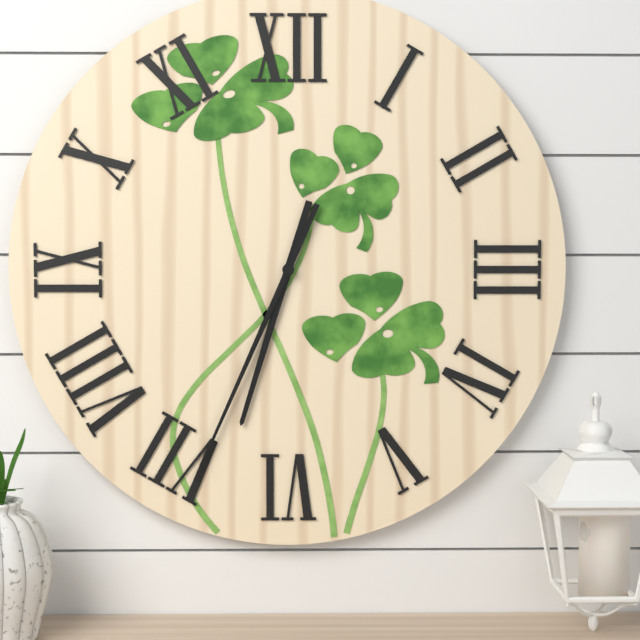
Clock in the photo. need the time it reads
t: 6:34
